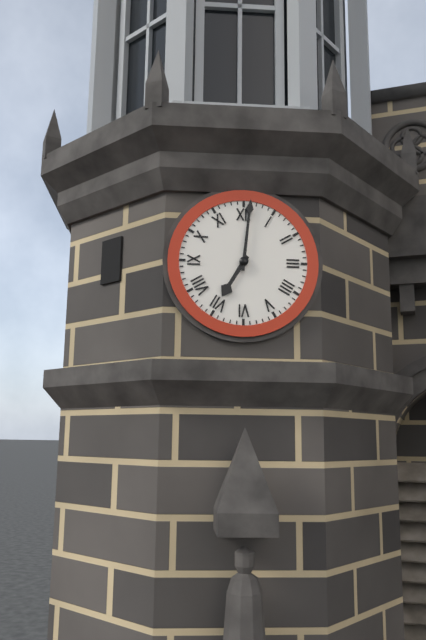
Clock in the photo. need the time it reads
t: 7:01
